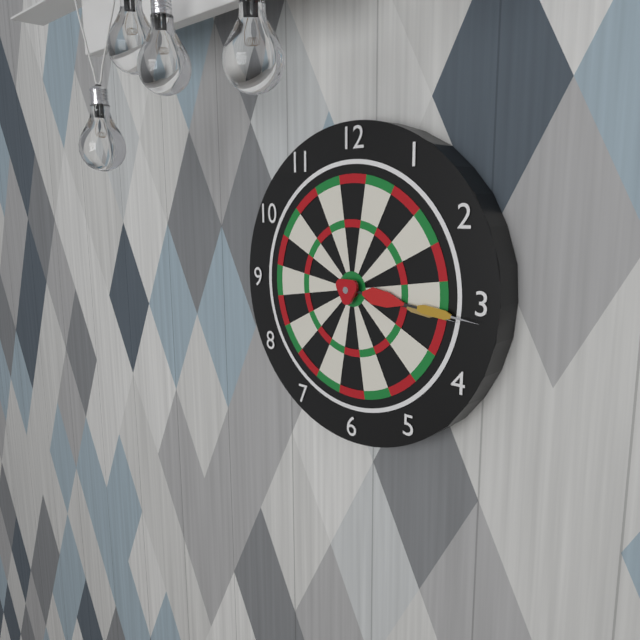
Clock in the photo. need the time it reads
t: 3:16
